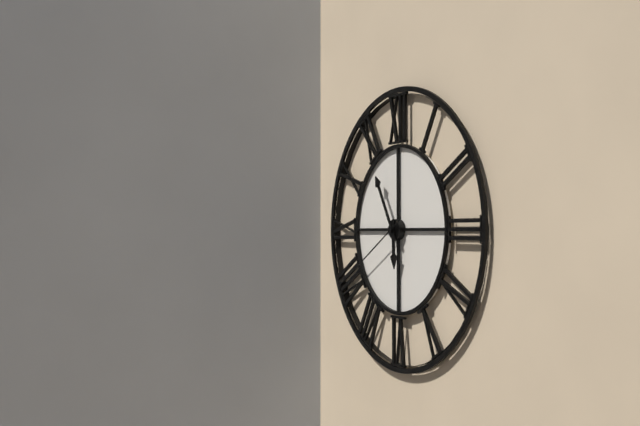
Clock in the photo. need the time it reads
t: 5:55:40
